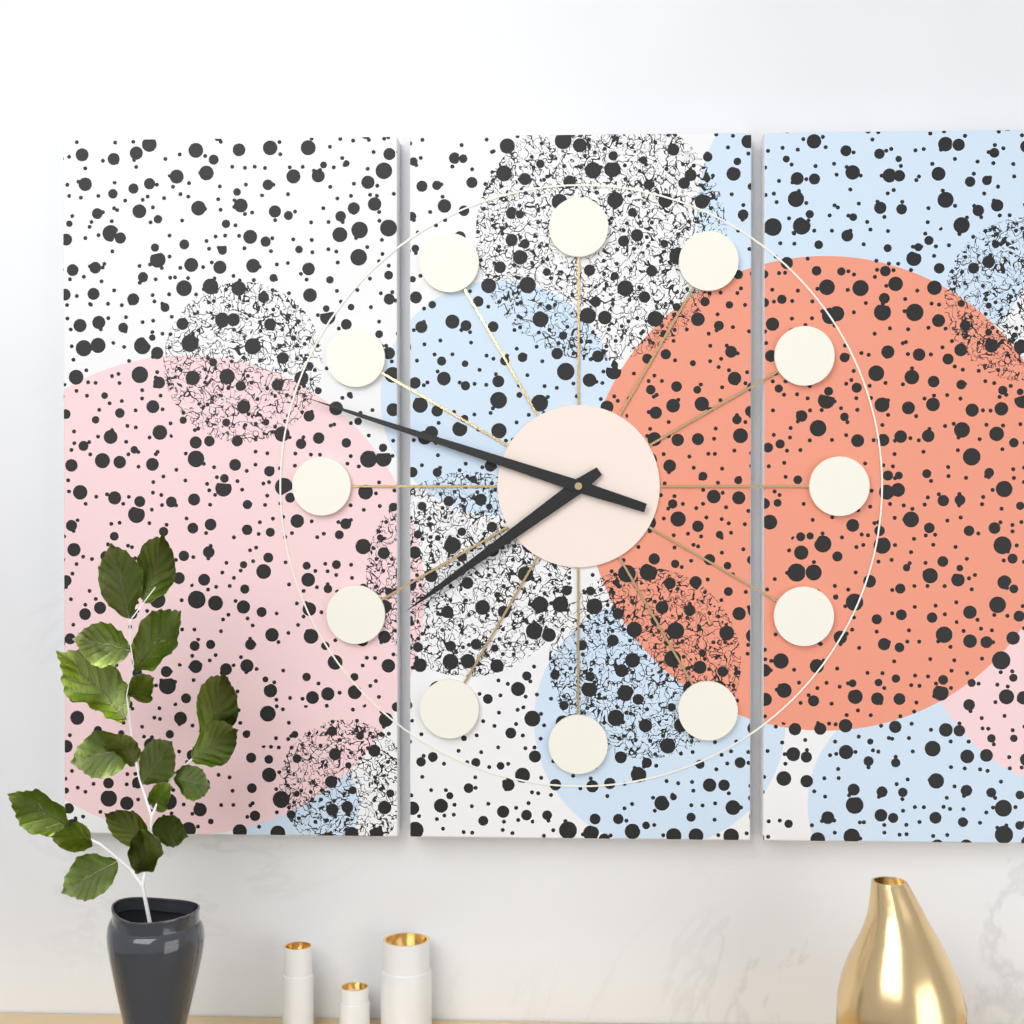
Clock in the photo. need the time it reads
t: 7:48
